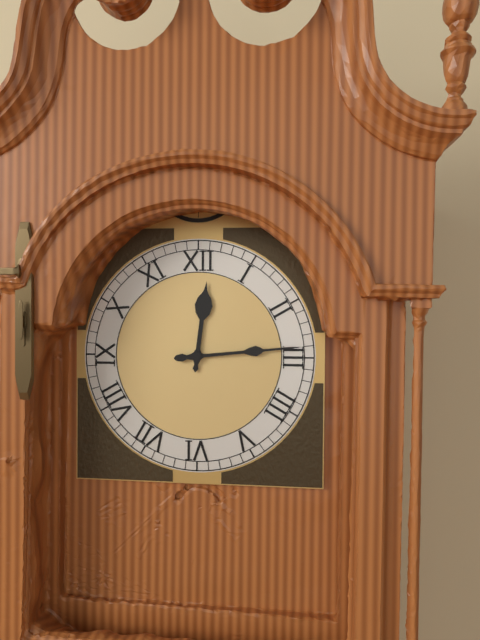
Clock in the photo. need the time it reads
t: 12:14
